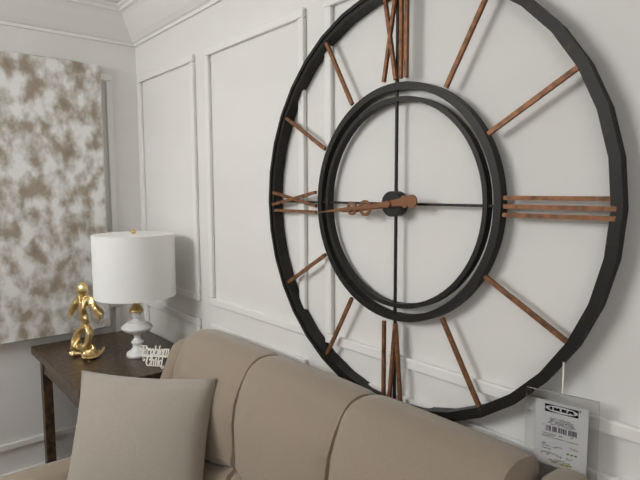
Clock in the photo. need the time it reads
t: 8:44
